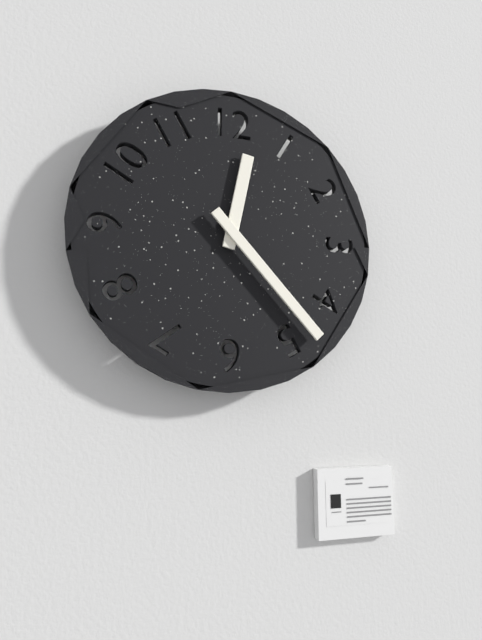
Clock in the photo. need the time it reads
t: 12:23
